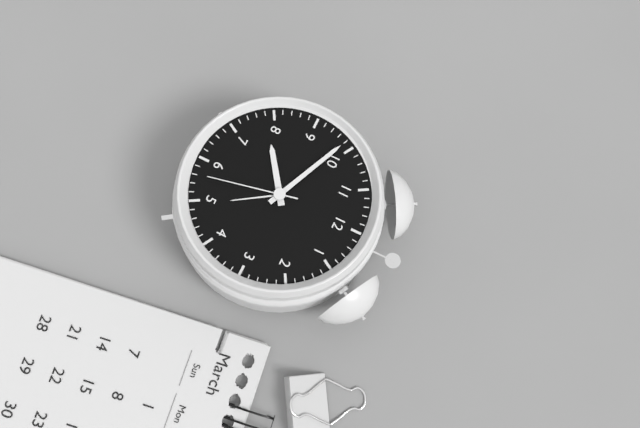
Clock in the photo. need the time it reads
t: 7:49:28
